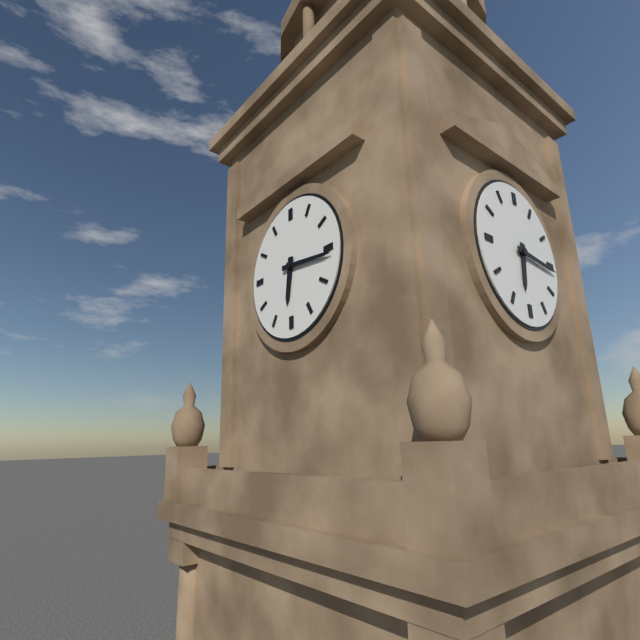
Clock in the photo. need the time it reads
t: 6:16
